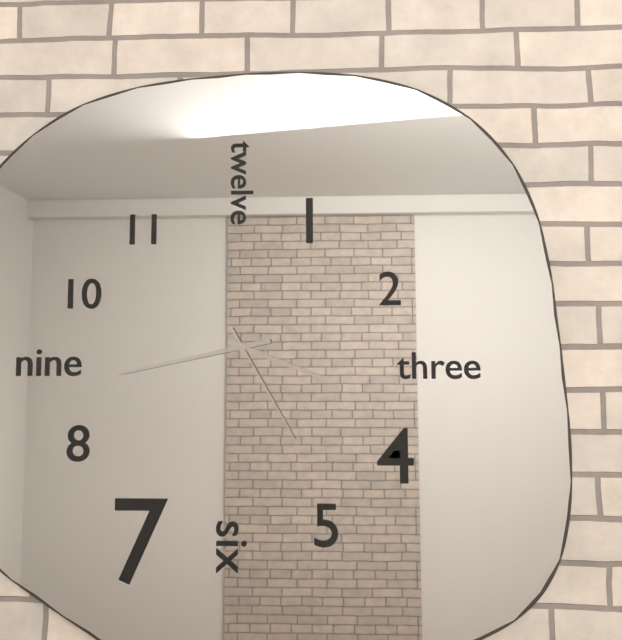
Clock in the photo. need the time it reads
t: 3:43:25
